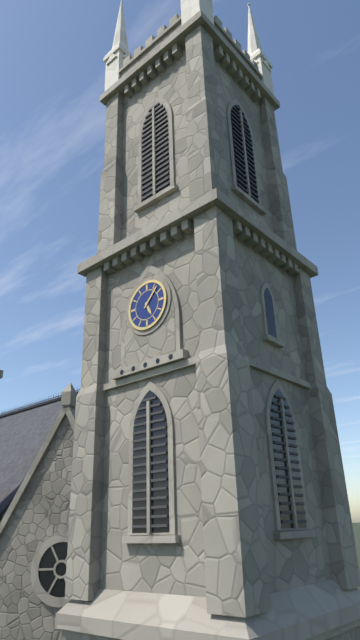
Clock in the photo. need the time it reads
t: 5:07
